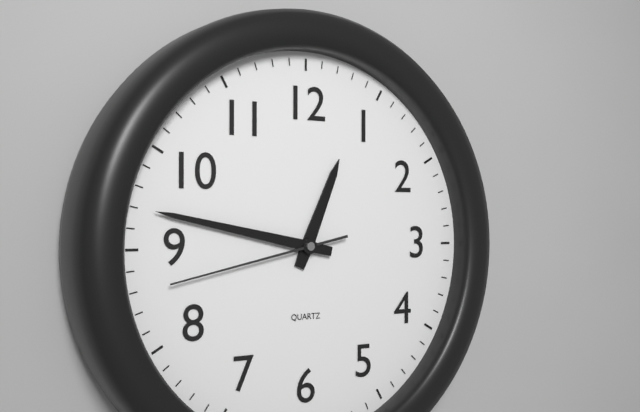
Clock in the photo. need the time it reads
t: 12:47:43
